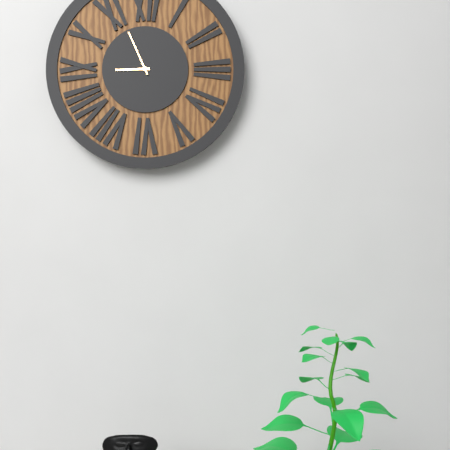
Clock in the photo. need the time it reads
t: 8:56
